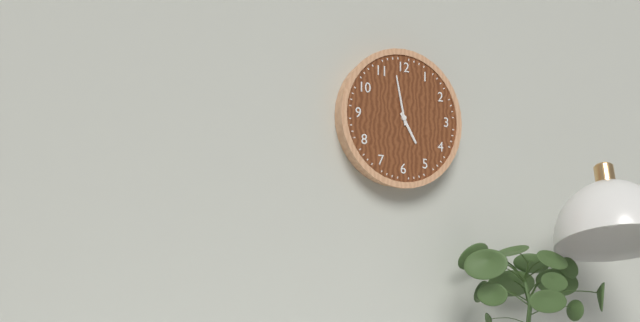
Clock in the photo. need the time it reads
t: 4:58
